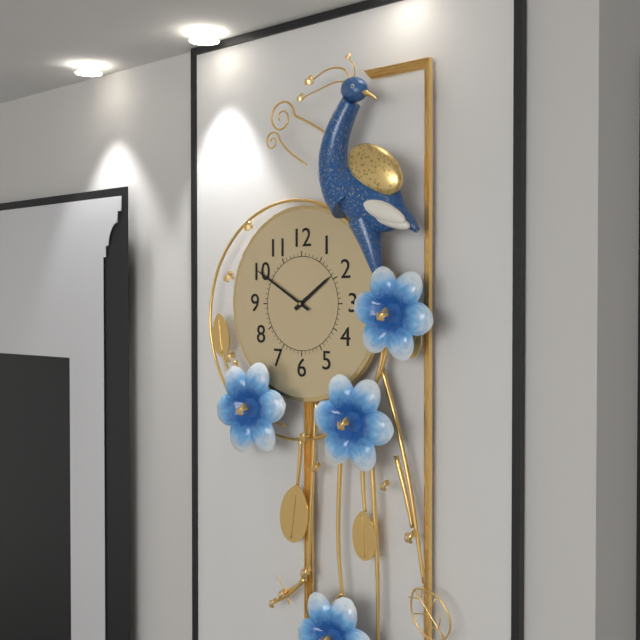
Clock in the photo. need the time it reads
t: 1:50
